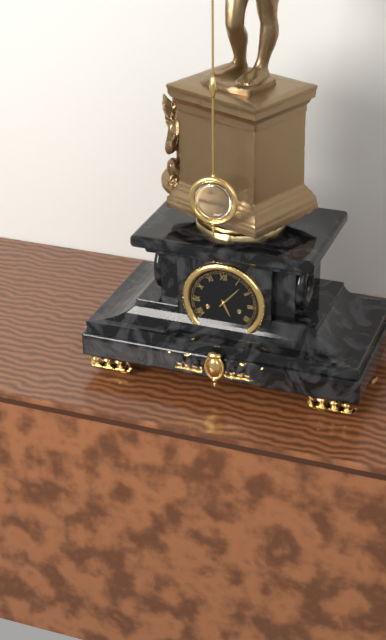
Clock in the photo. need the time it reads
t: 5:07
